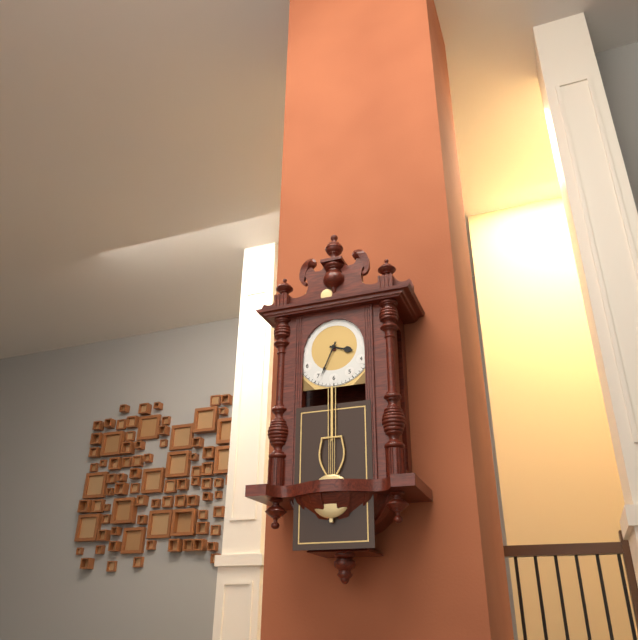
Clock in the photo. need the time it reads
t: 3:34
